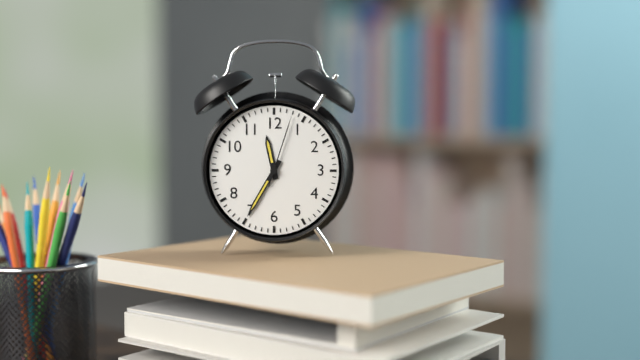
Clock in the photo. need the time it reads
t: 11:35:03
